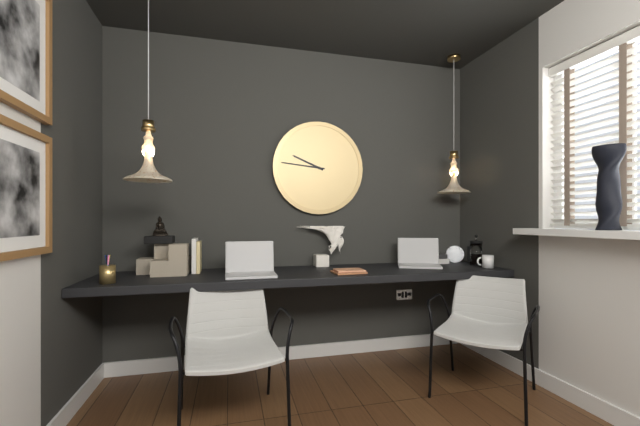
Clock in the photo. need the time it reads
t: 9:46
